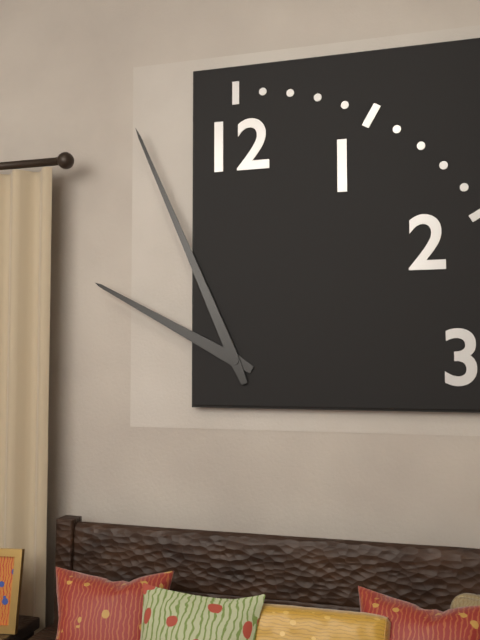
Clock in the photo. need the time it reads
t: 9:56
